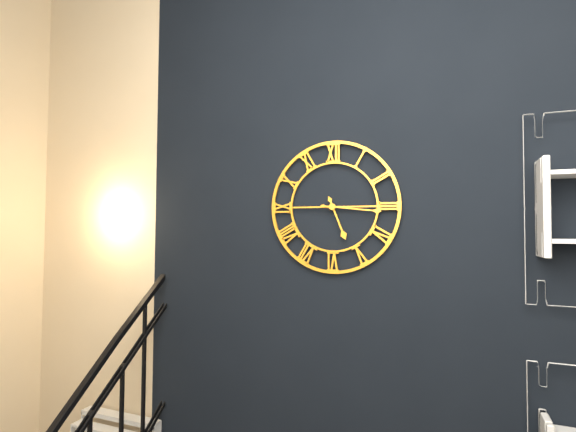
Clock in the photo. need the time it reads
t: 5:16
